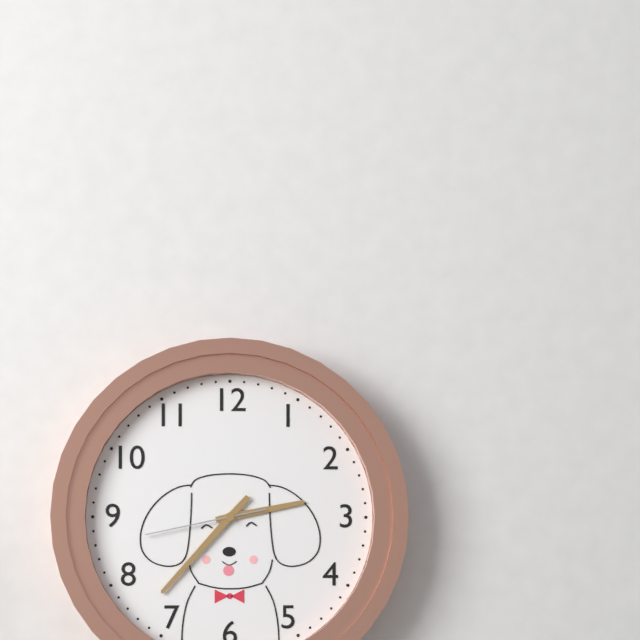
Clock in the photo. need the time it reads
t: 2:37:43
